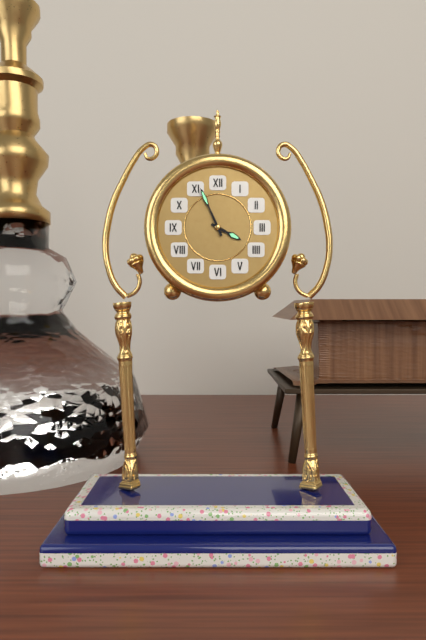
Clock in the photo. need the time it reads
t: 3:56
